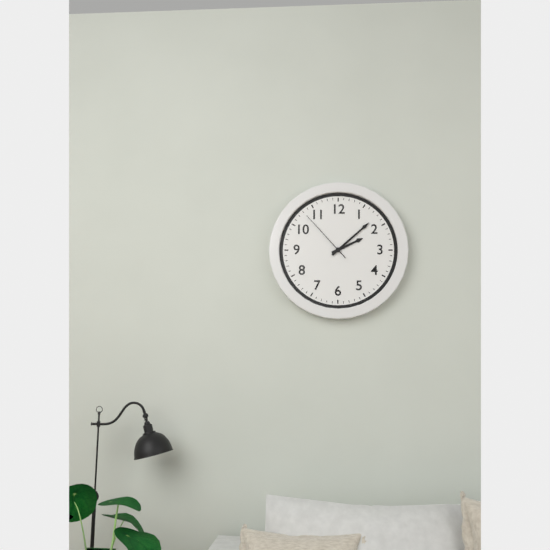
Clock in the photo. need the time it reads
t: 2:08:53
